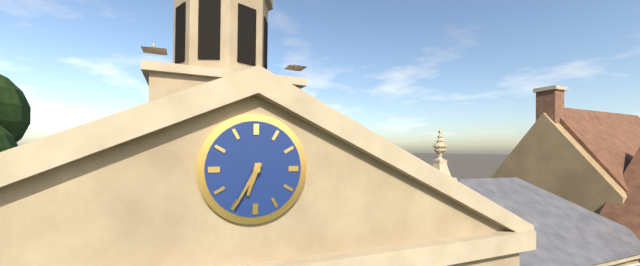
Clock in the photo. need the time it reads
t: 6:35
